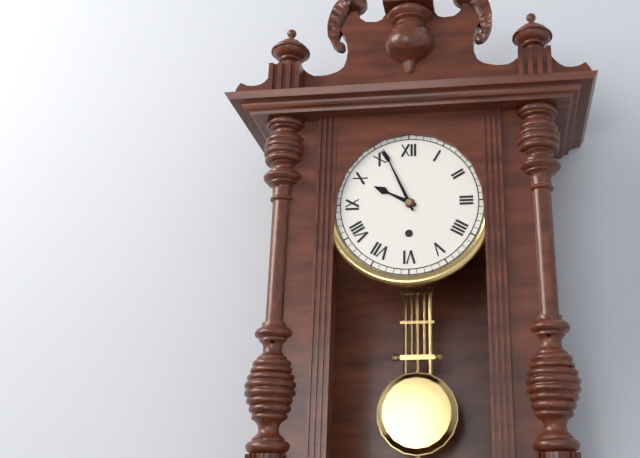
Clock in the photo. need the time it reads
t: 9:56
